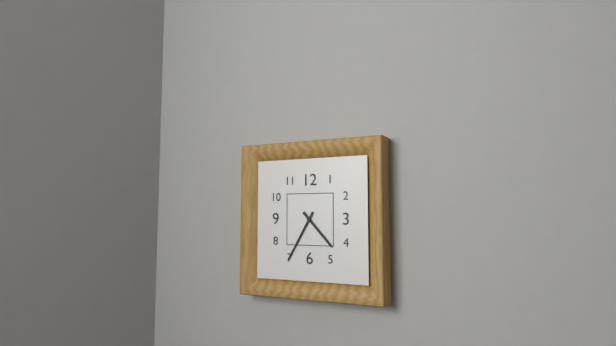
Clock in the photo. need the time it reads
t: 4:35
